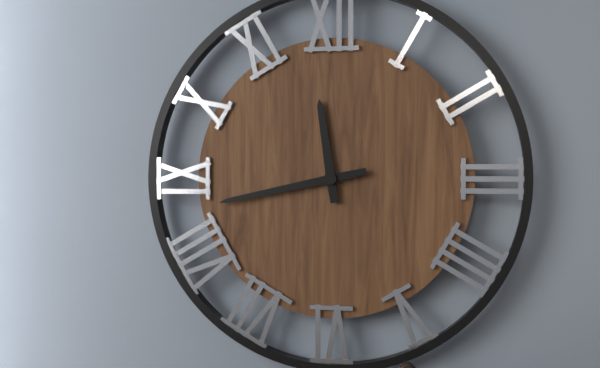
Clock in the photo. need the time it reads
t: 11:43
